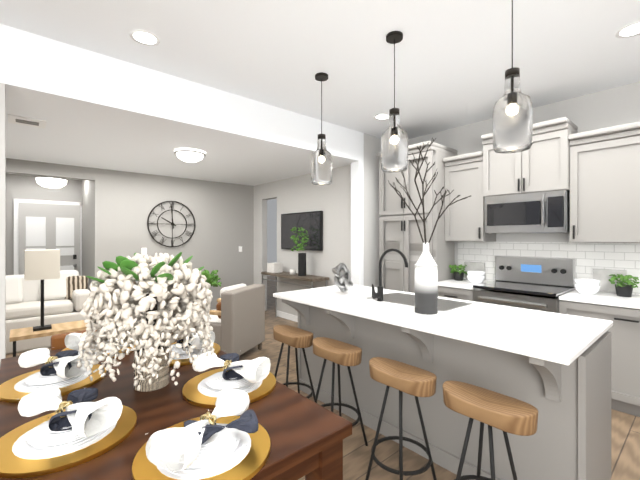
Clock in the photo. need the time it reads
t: 9:59
